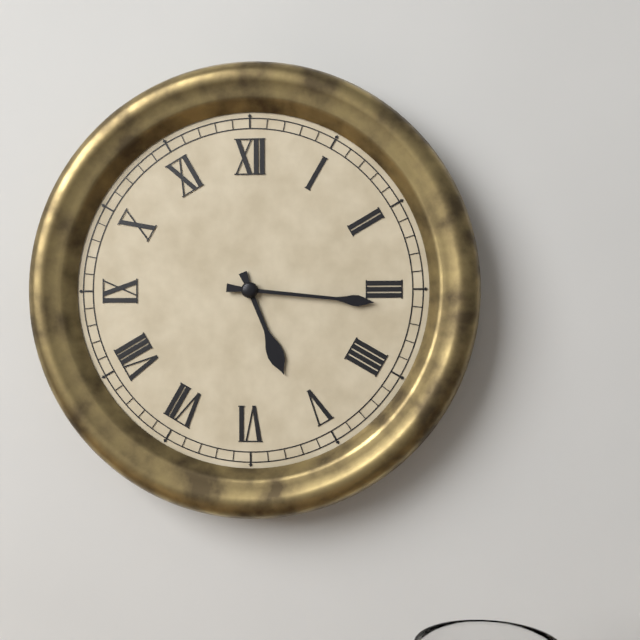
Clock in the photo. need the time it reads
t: 5:16
